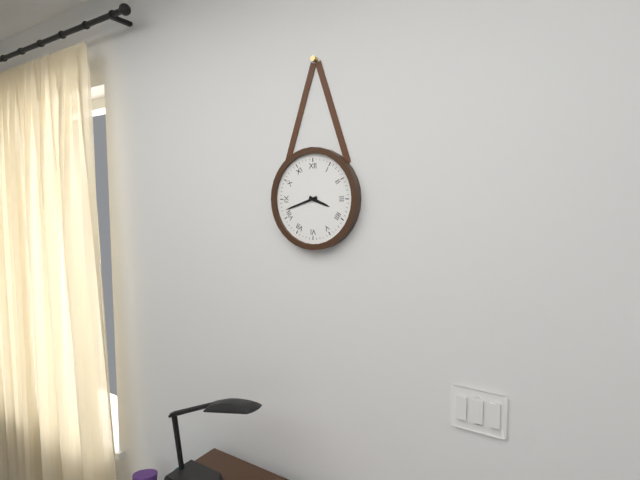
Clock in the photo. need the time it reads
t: 3:42
